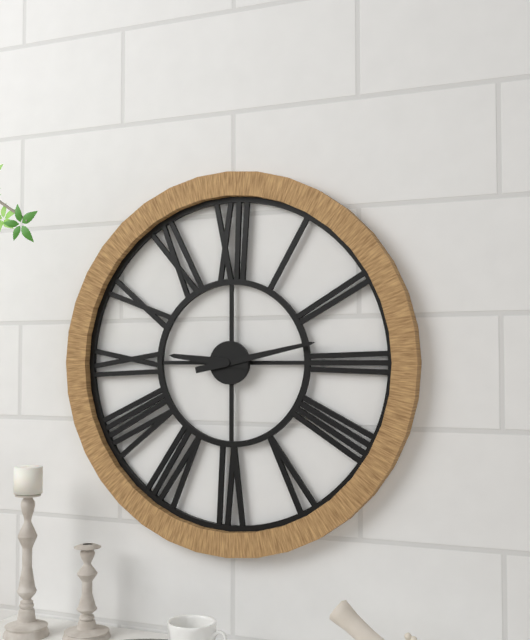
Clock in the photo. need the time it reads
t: 9:13
